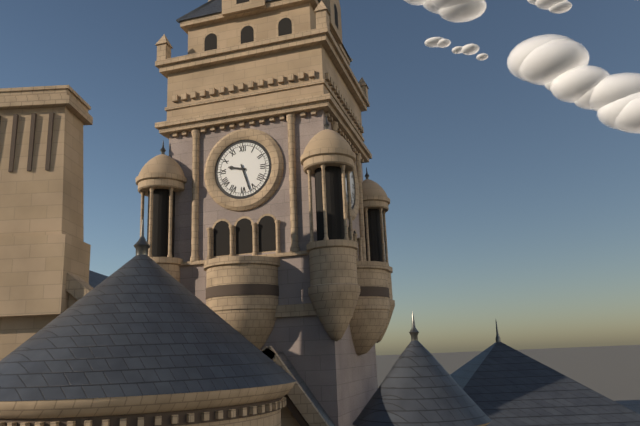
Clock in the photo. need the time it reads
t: 9:27
